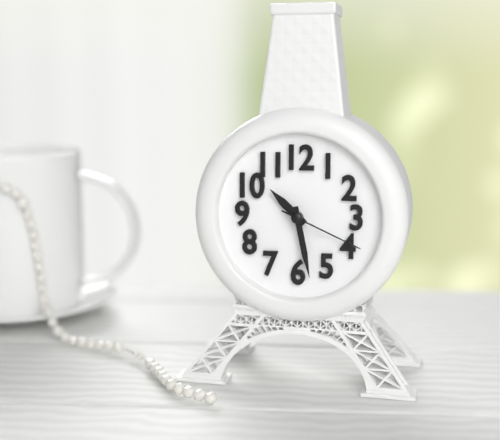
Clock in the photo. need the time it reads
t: 10:28:19
